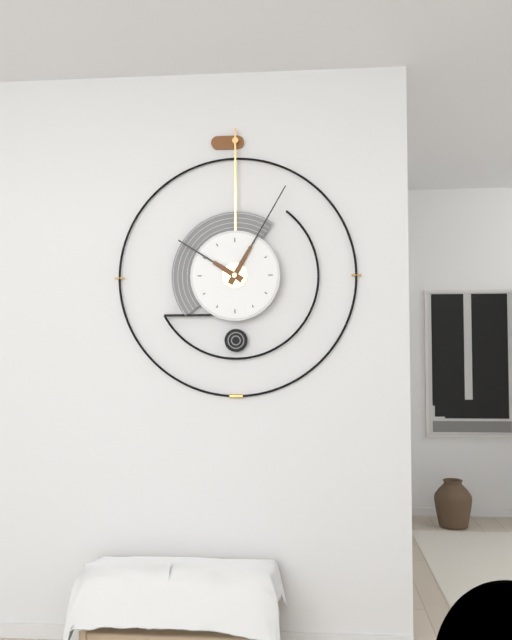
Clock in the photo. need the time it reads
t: 10:05
